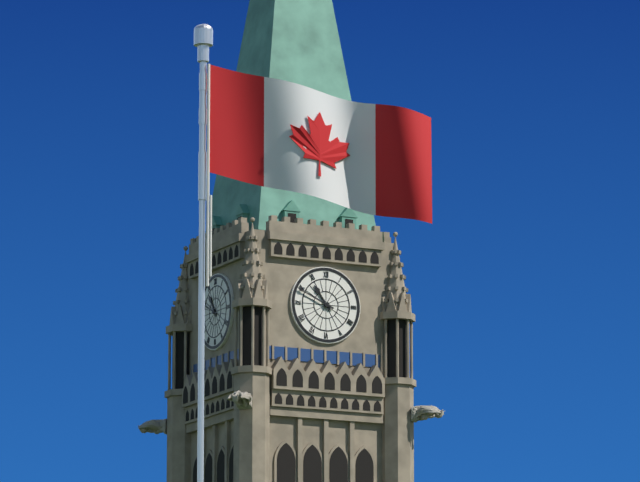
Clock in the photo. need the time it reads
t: 10:49
